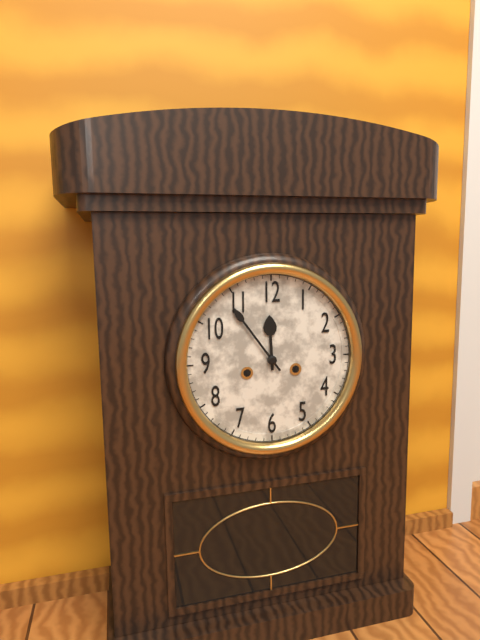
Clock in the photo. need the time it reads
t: 11:54
